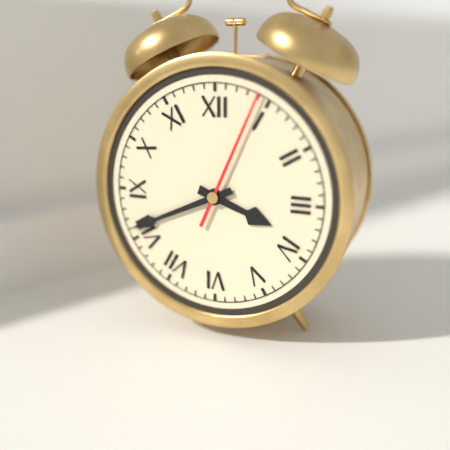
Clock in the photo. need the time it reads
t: 3:41:04
